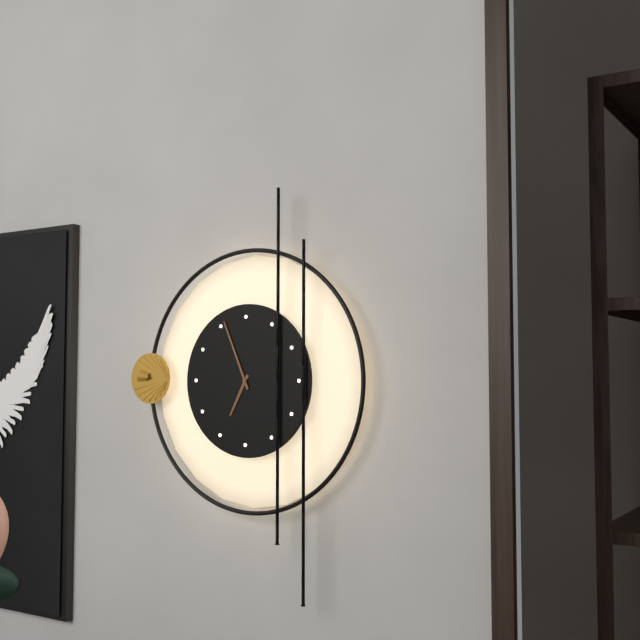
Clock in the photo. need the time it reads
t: 6:56
